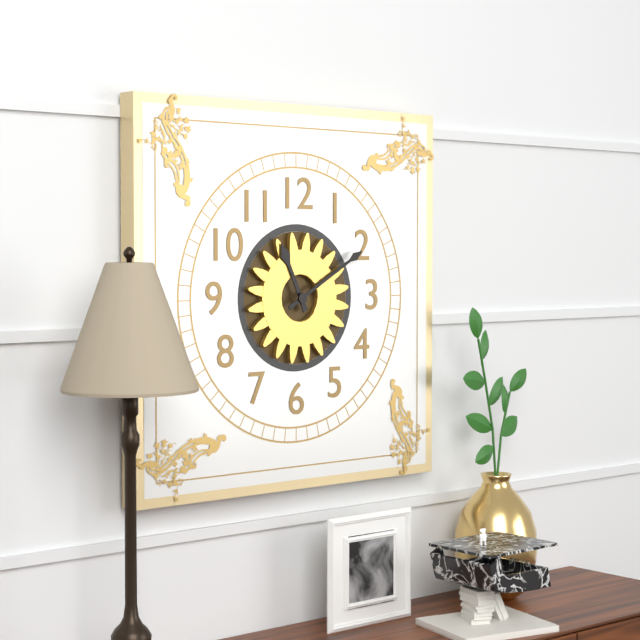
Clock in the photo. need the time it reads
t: 11:10
